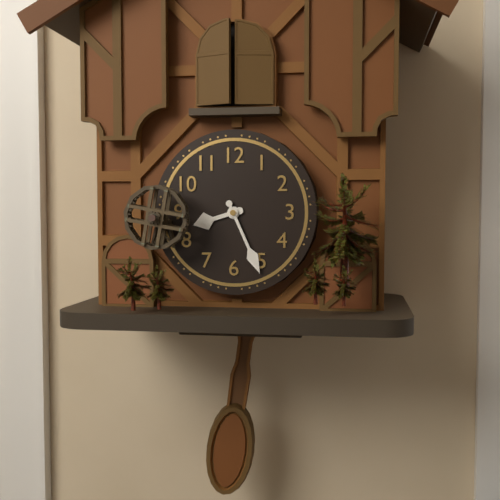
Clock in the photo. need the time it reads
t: 8:26
